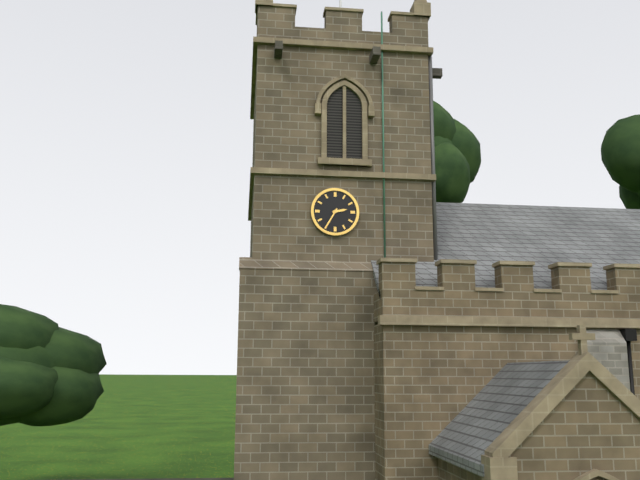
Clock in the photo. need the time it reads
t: 2:35
